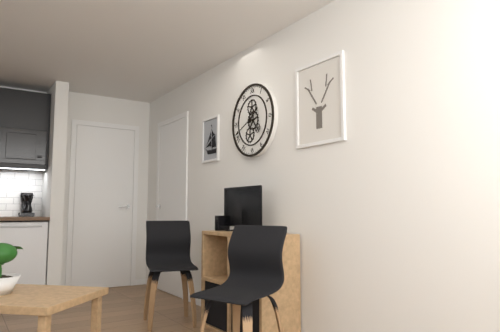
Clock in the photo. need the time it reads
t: 1:41
